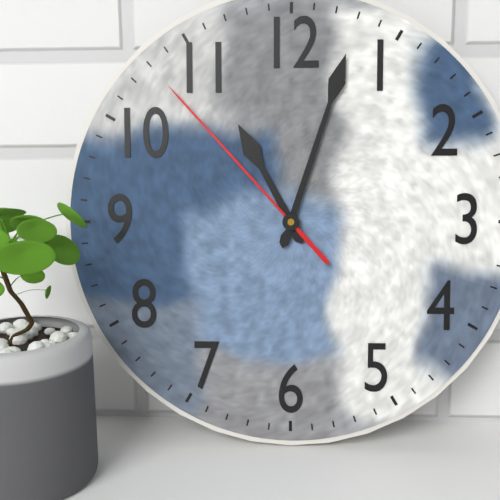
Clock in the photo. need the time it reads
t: 11:03:53
